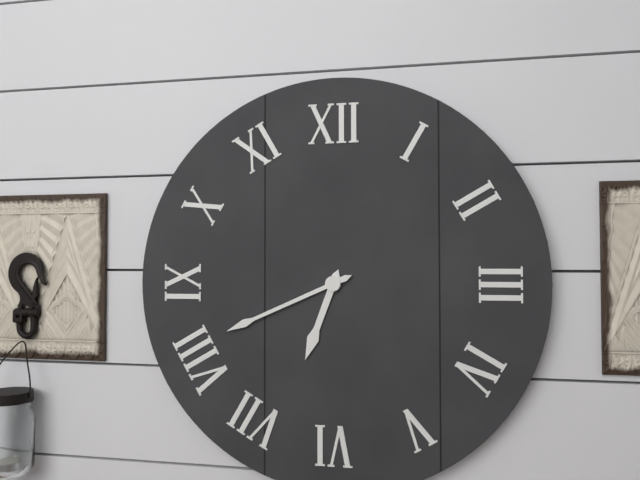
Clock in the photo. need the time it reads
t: 6:41
